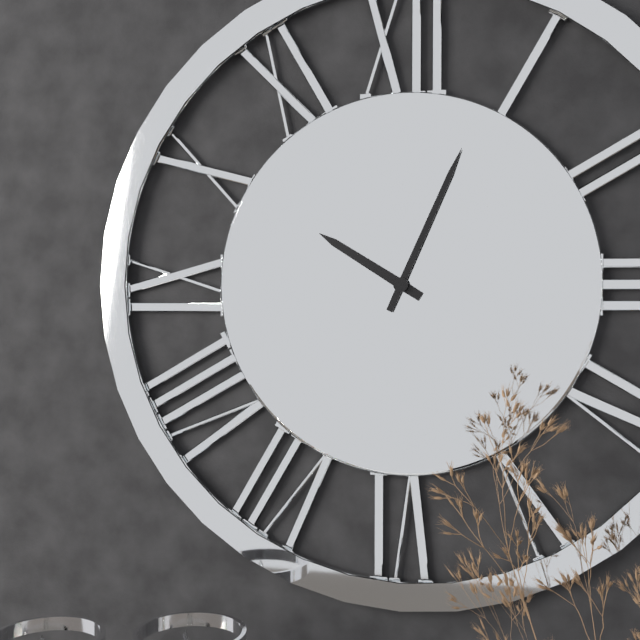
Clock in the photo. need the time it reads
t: 10:04
